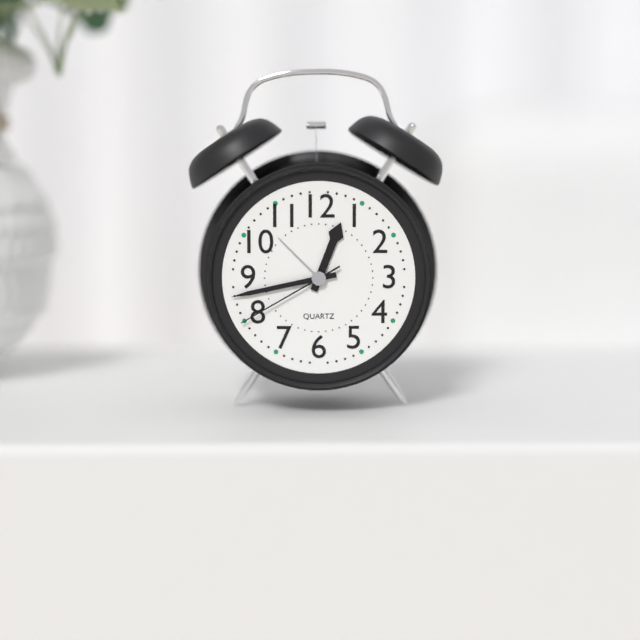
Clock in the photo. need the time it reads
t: 12:43:40
